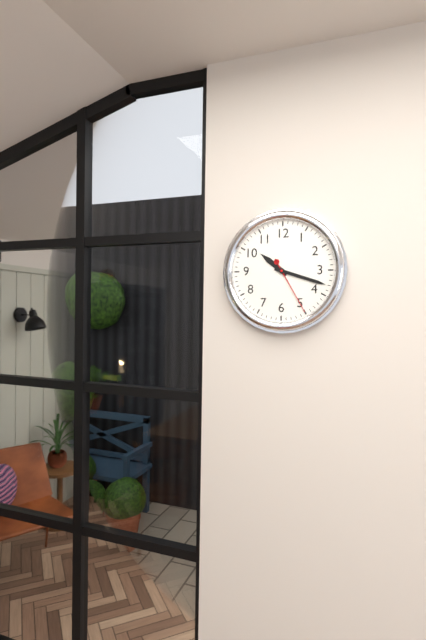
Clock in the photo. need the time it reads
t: 10:18:25
